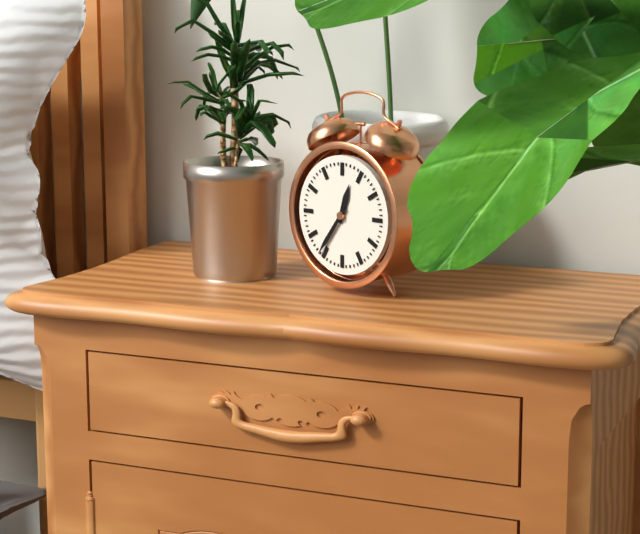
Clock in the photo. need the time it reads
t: 12:36
